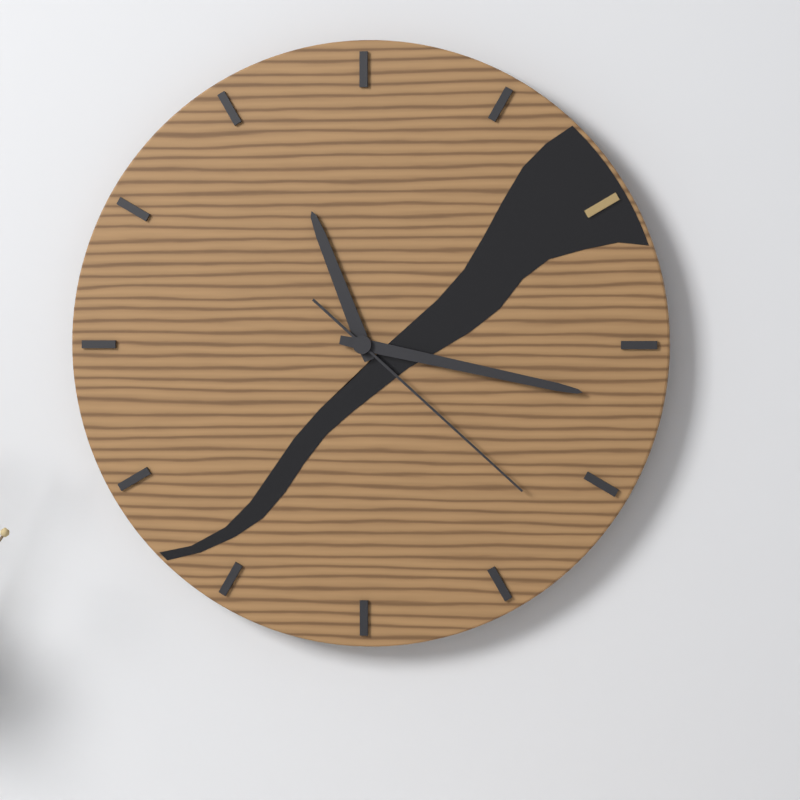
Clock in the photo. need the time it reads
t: 11:17:22
